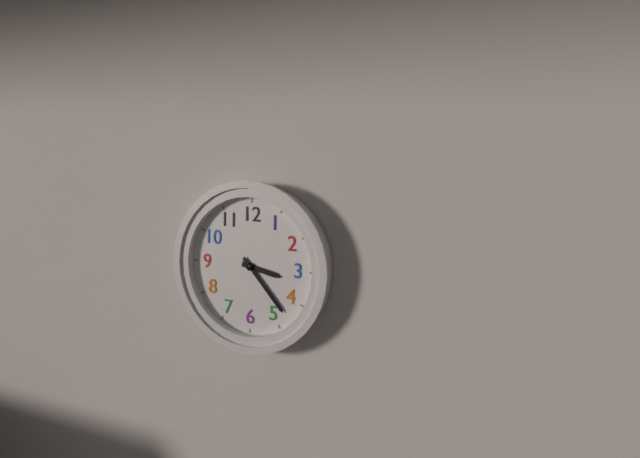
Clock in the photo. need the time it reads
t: 3:23
